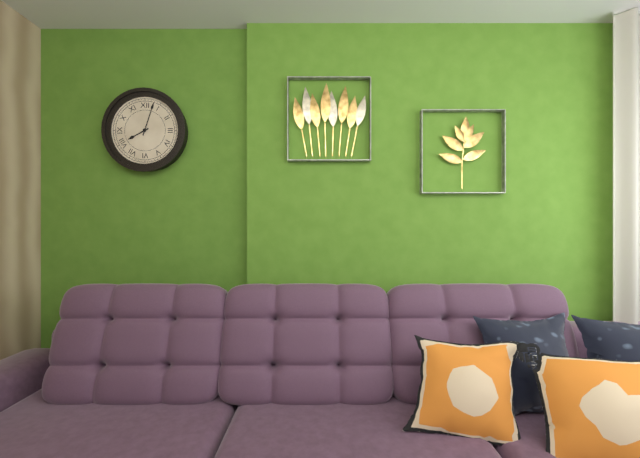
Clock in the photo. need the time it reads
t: 8:03
